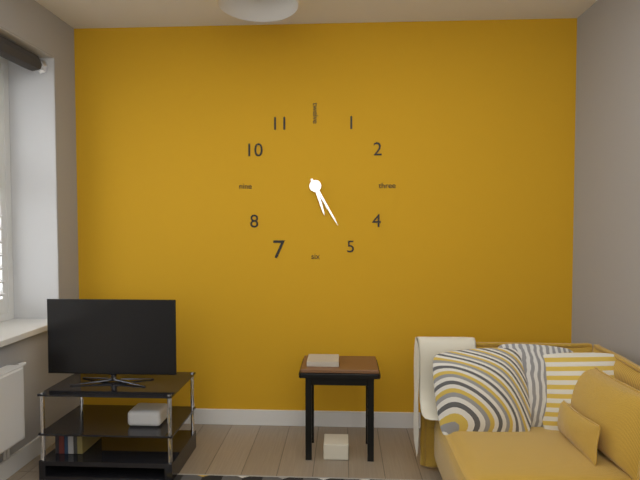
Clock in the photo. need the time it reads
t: 5:25
